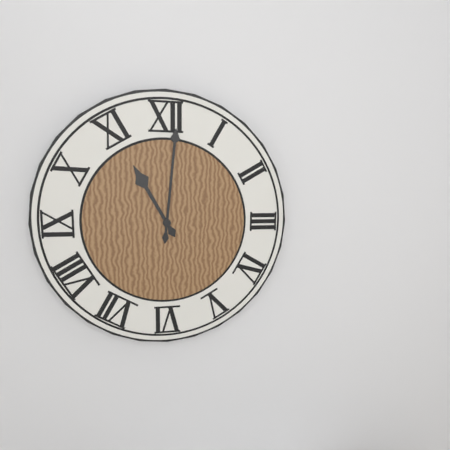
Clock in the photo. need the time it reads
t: 11:01
